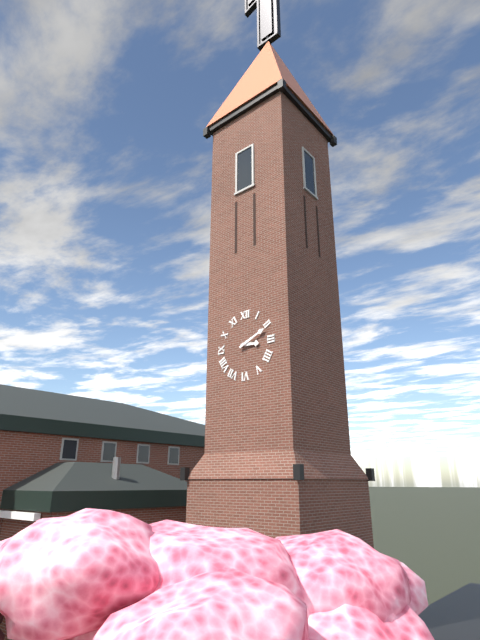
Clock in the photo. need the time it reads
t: 3:11
